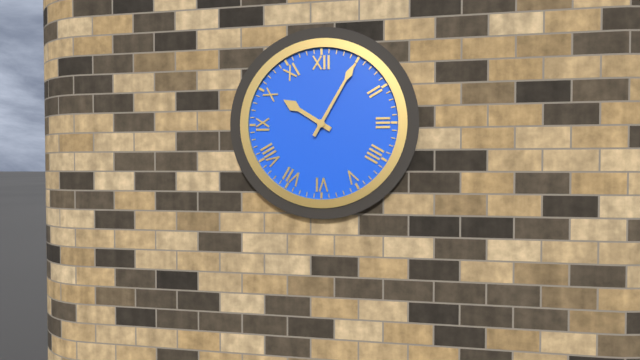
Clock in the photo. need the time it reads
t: 10:05
